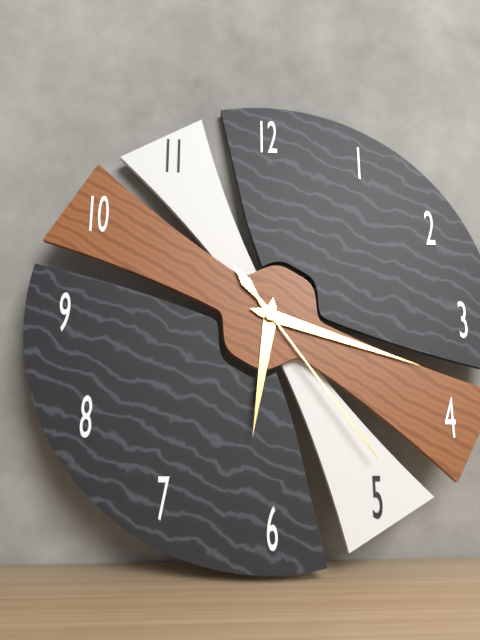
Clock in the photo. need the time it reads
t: 6:18:24
